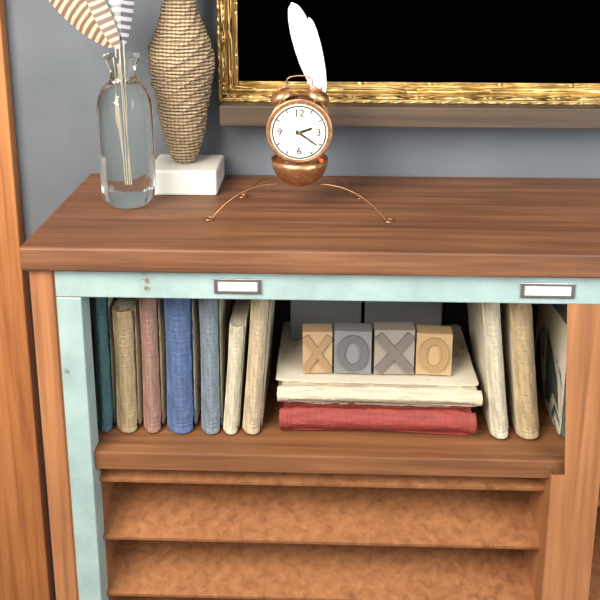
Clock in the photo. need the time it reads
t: 2:21
